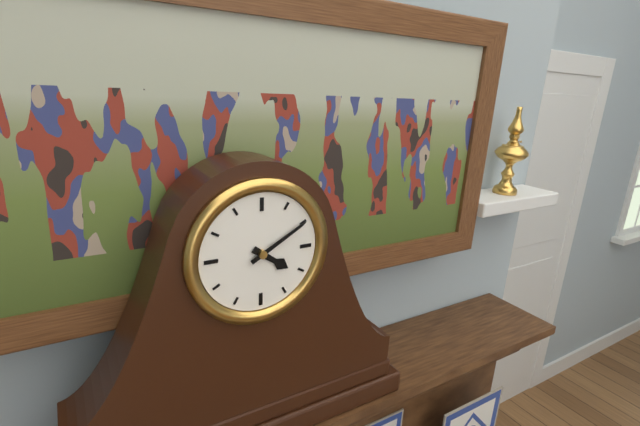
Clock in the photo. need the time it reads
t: 4:10
